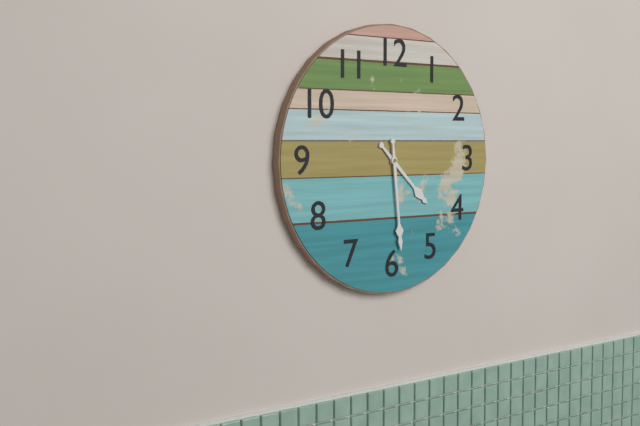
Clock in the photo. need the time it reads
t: 4:29
